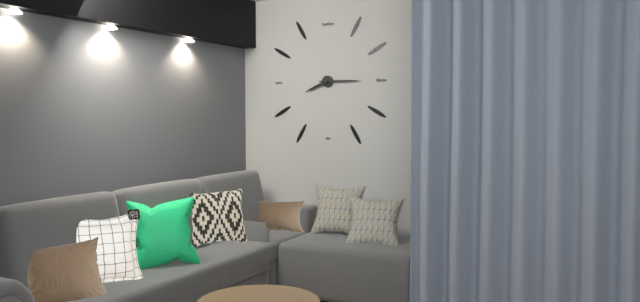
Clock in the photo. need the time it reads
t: 8:15
